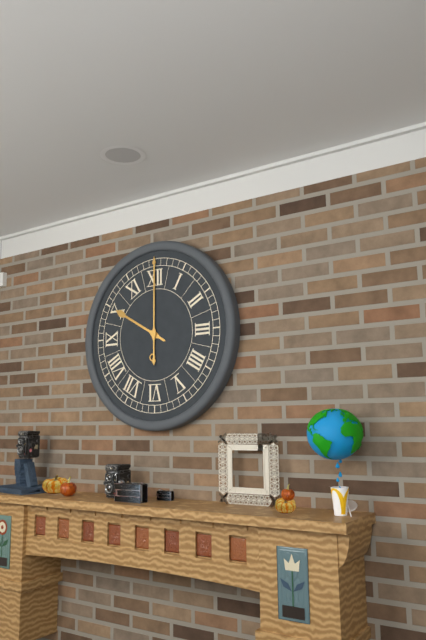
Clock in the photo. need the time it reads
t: 10:00
